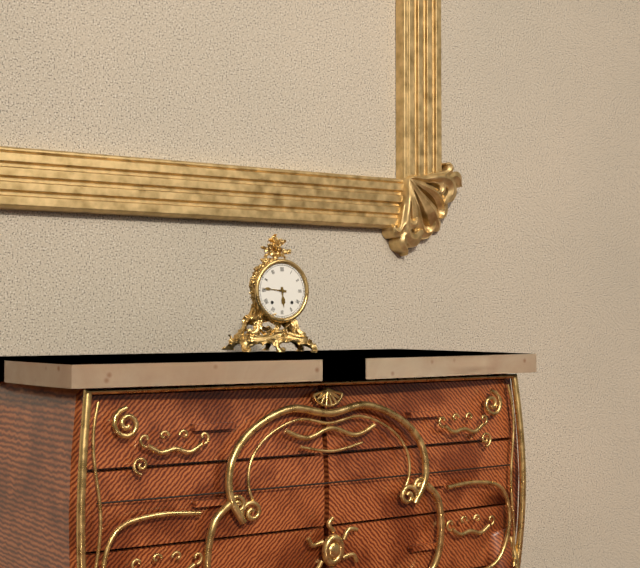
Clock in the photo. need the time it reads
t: 5:46
